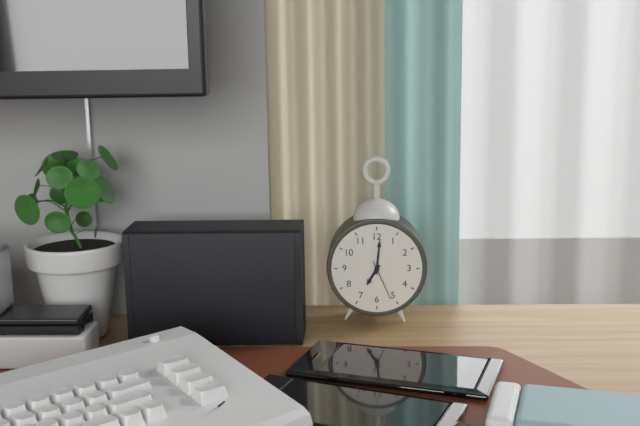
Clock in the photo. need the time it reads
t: 7:01
